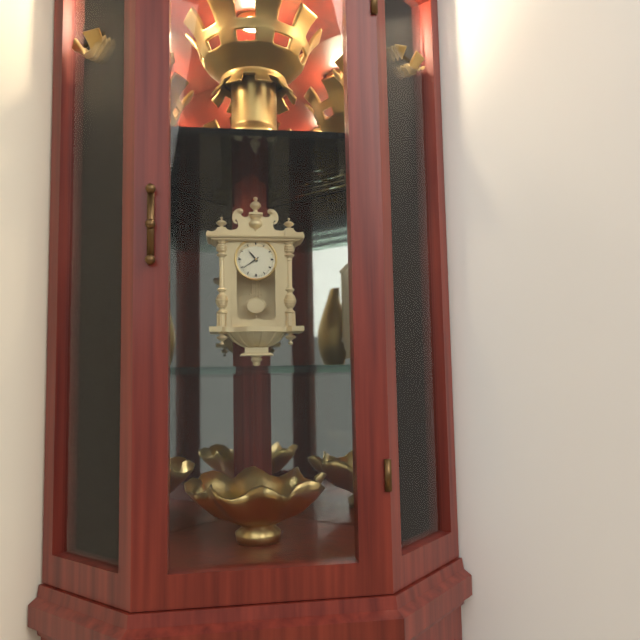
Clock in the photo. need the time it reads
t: 10:39
